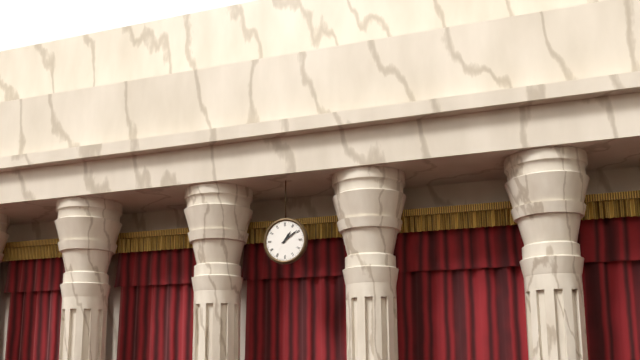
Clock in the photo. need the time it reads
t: 1:09
